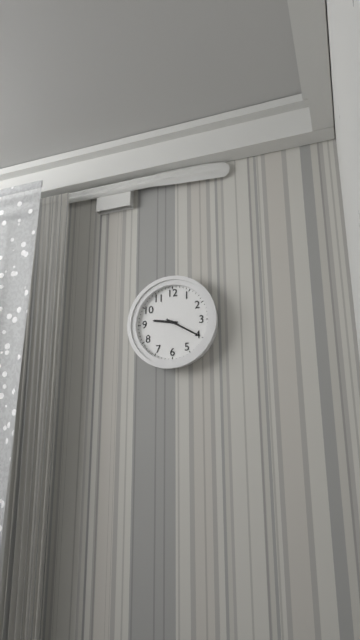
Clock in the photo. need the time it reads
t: 9:20
